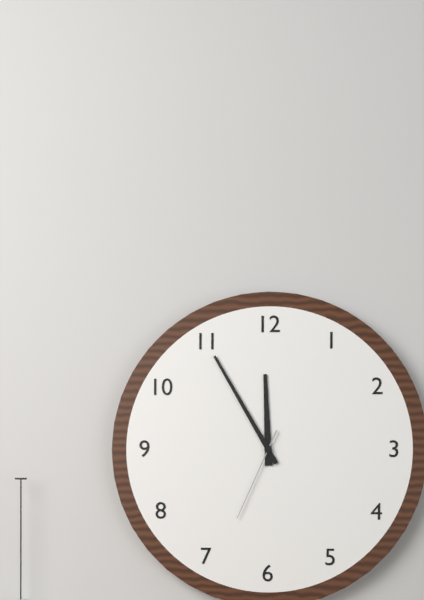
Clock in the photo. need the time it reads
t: 11:55:34
